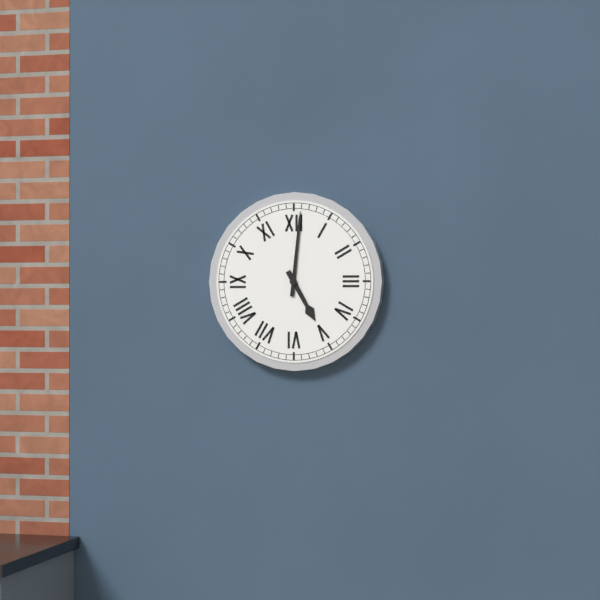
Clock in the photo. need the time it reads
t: 5:01
